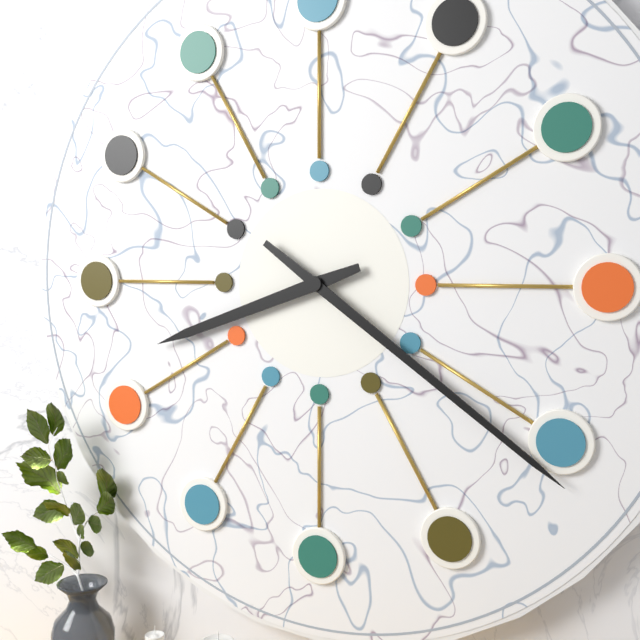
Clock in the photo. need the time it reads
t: 8:21
